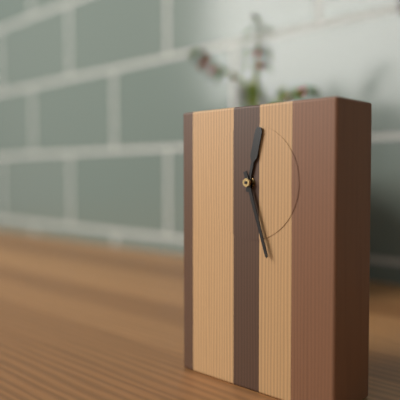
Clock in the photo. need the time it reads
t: 12:27
